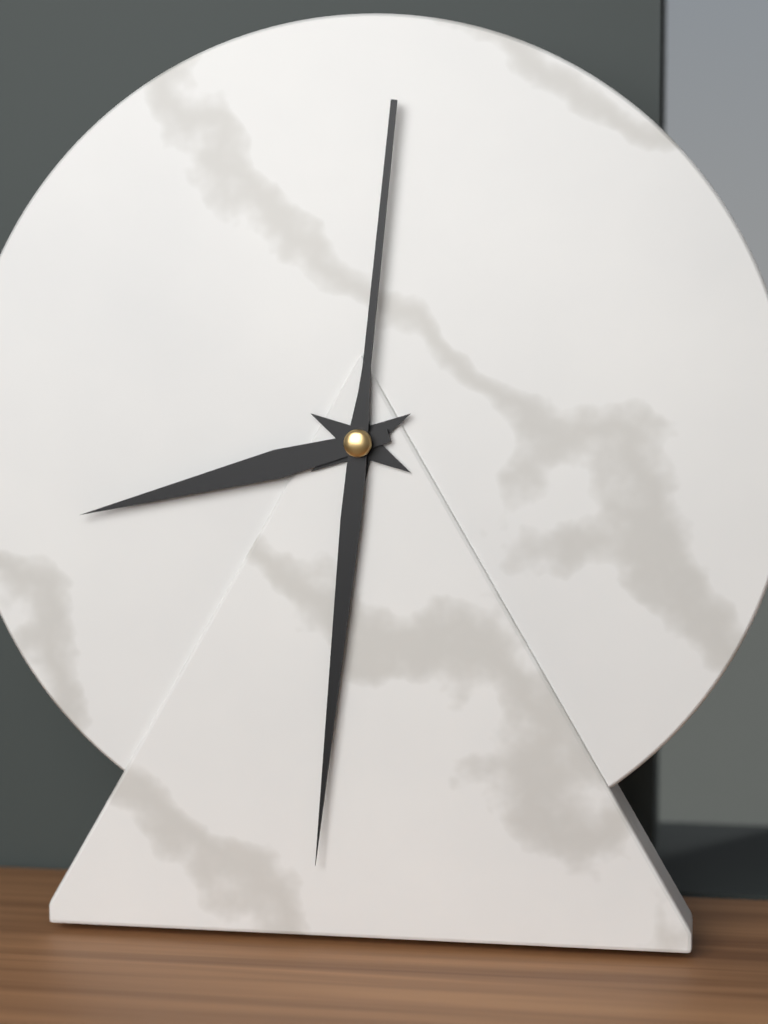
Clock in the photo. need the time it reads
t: 8:31
